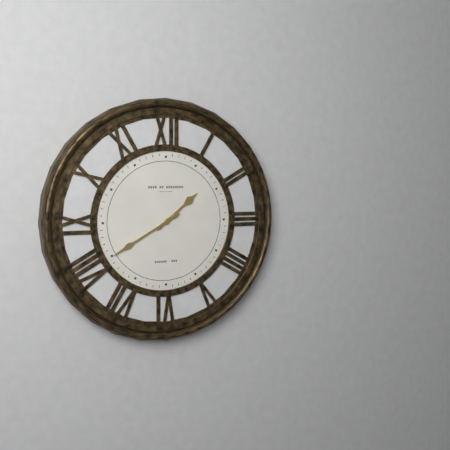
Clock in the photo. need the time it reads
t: 1:40
